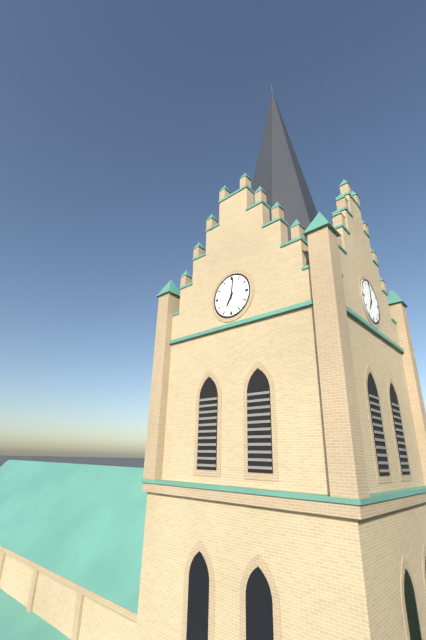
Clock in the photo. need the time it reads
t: 7:01
